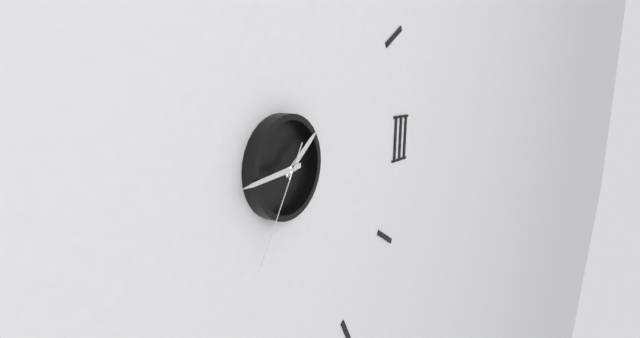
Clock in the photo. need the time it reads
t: 1:44:35
